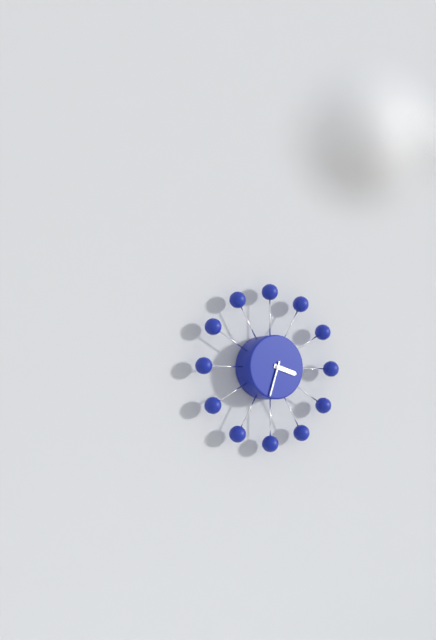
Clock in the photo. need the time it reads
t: 3:33
